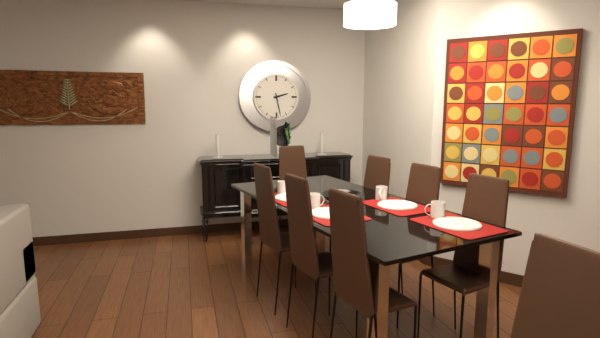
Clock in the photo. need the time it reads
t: 2:28
